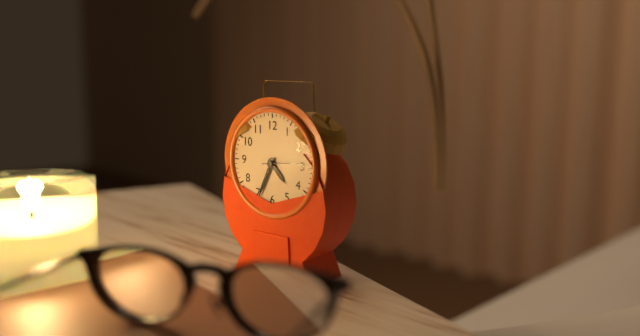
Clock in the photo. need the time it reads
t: 4:34
